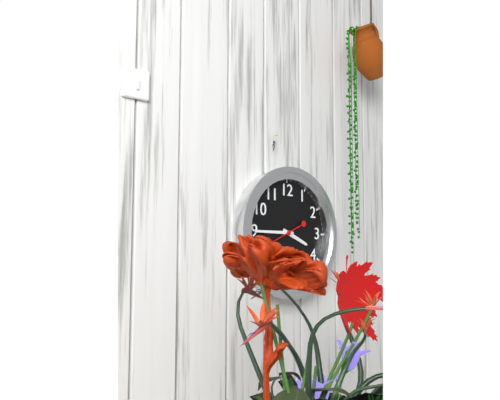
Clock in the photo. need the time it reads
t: 3:45
